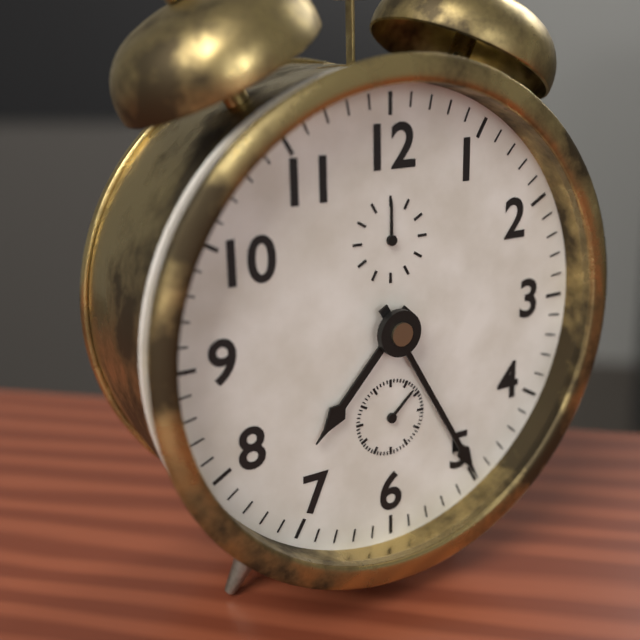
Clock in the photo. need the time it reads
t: 7:25
